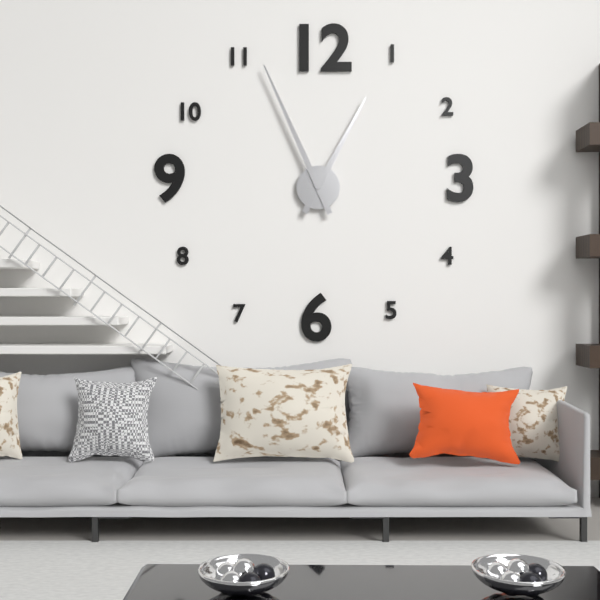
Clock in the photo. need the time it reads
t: 12:56
